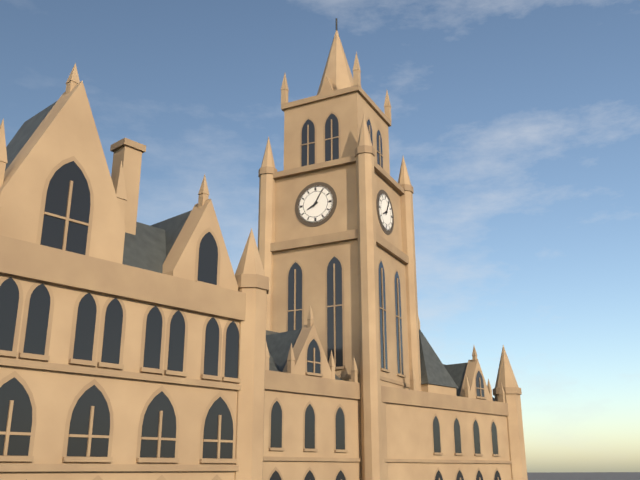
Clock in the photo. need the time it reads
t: 8:05
